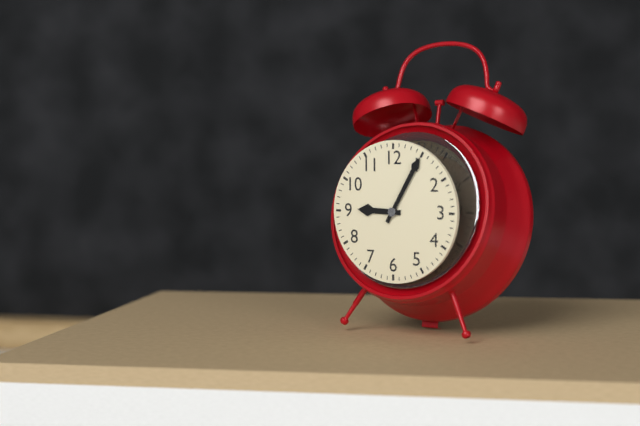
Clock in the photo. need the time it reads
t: 9:05
